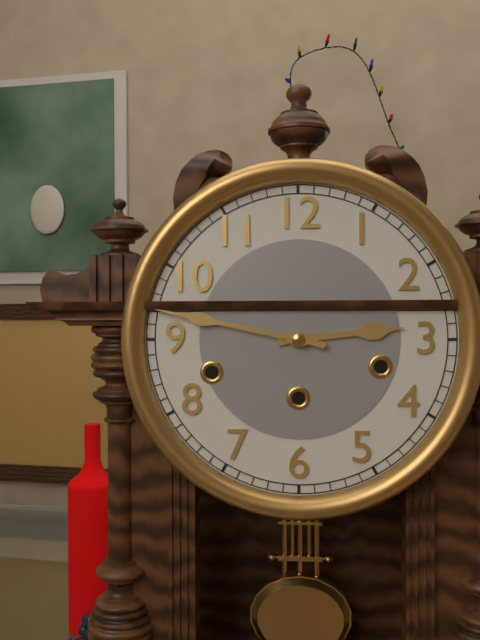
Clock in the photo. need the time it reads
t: 2:47
